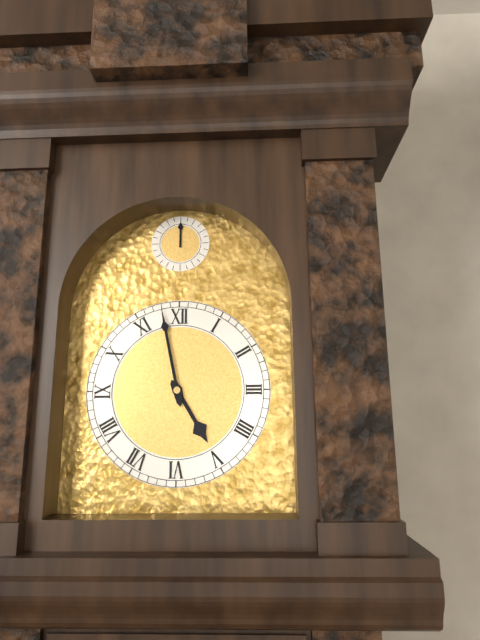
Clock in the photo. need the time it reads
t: 4:58
